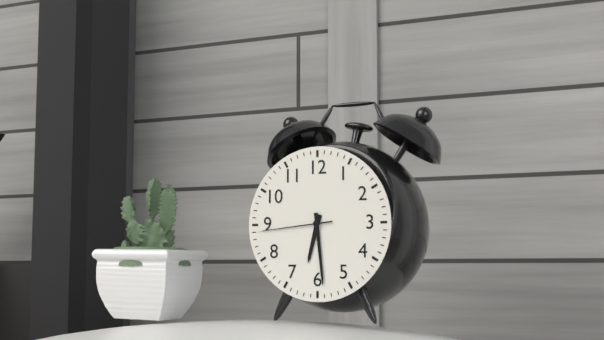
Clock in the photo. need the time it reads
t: 6:29:44
